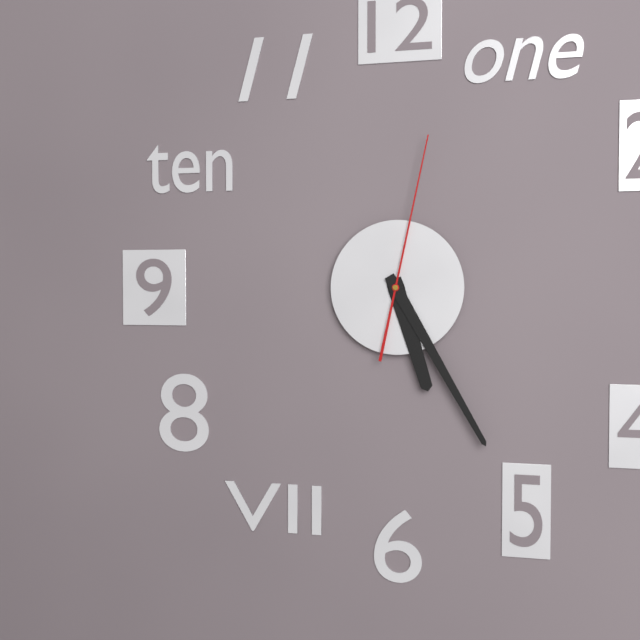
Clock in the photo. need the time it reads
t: 5:25:02
